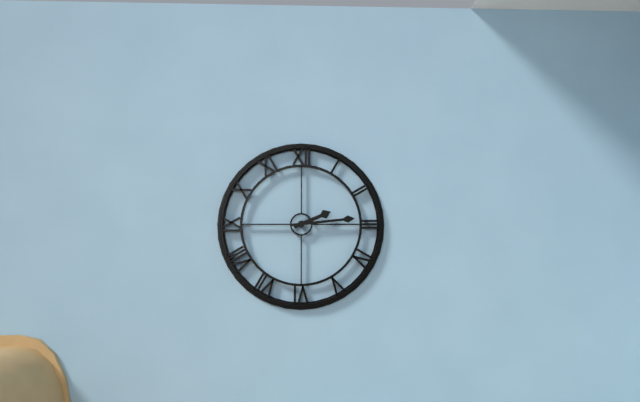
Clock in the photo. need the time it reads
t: 2:14
